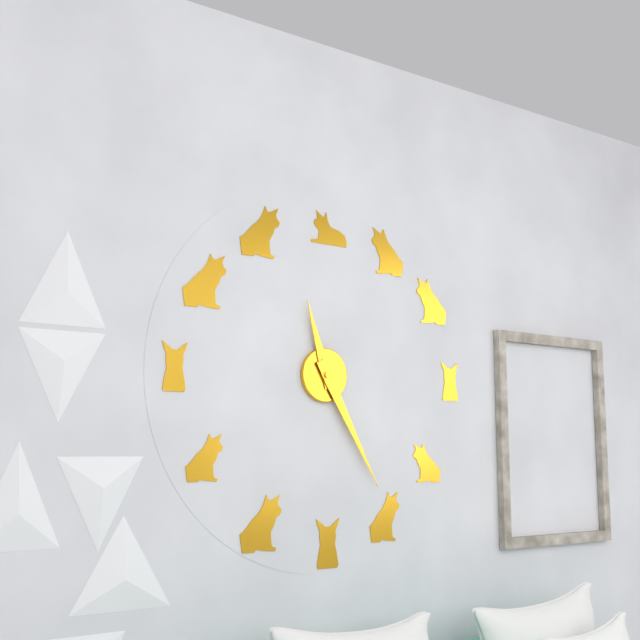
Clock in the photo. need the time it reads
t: 11:25
